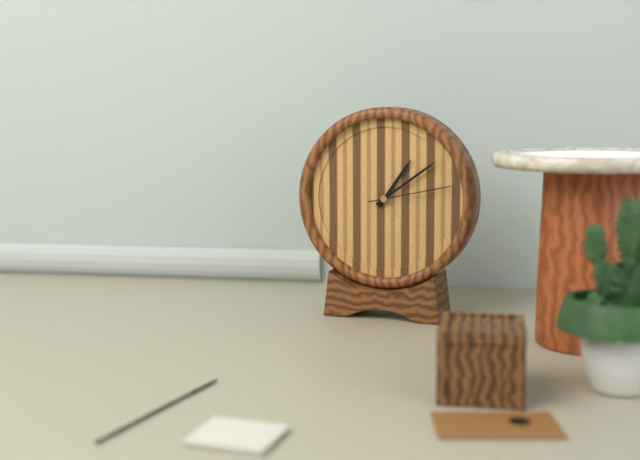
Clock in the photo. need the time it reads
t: 1:09:13
